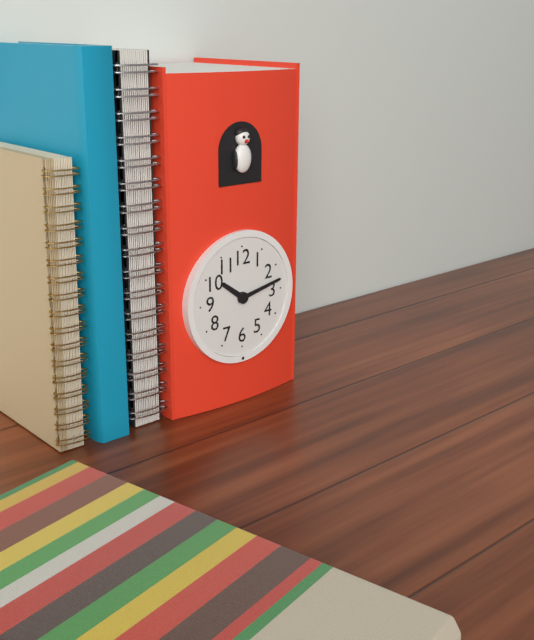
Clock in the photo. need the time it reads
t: 10:13
